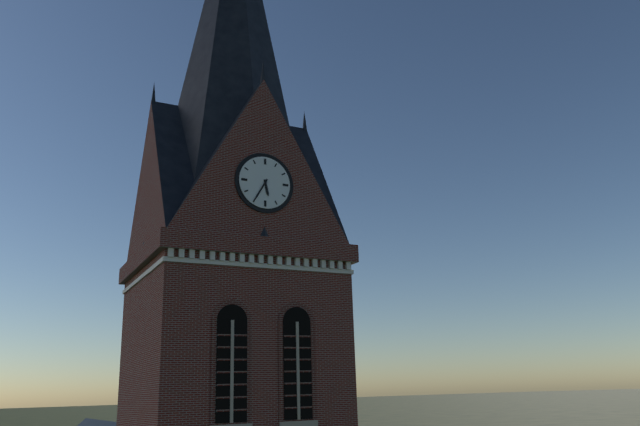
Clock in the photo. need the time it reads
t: 5:35
